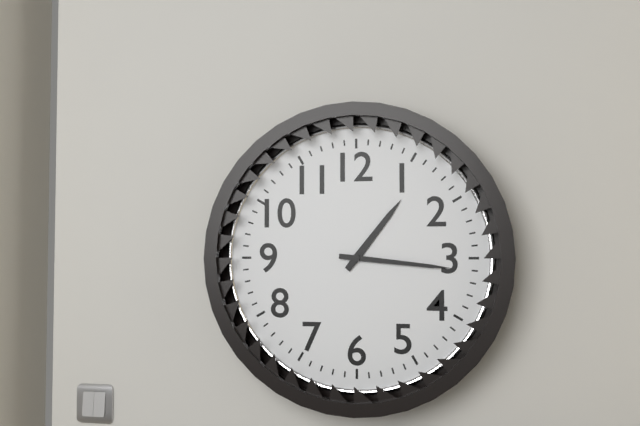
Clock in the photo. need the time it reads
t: 1:16
